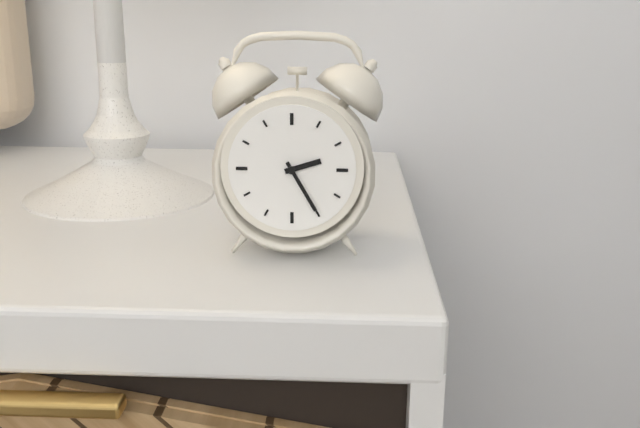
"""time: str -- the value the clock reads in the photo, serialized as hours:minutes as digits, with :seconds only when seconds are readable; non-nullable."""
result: 2:25
